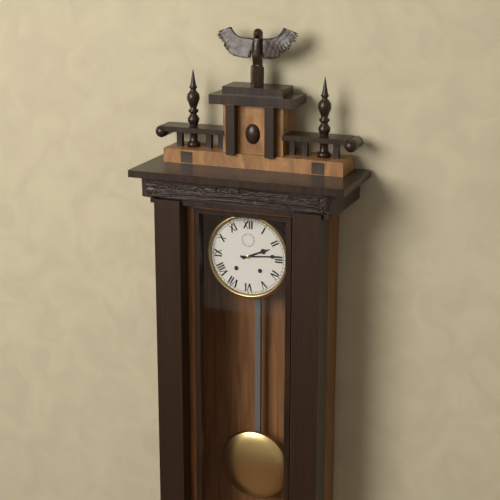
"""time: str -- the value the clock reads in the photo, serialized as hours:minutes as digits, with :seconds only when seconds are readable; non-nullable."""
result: 2:14
